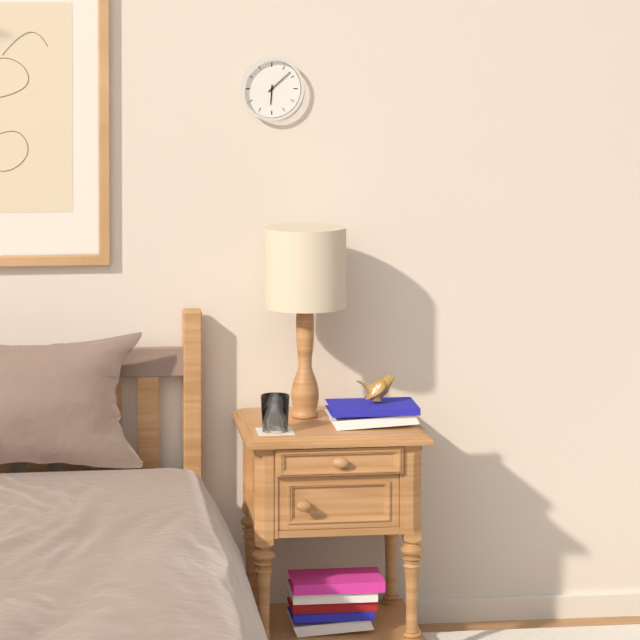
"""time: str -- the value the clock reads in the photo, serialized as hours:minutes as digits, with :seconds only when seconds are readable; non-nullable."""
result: 6:08
